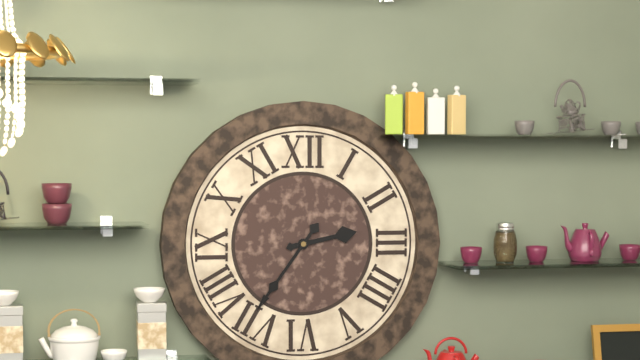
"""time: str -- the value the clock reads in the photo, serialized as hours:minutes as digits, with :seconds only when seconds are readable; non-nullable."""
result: 2:36
